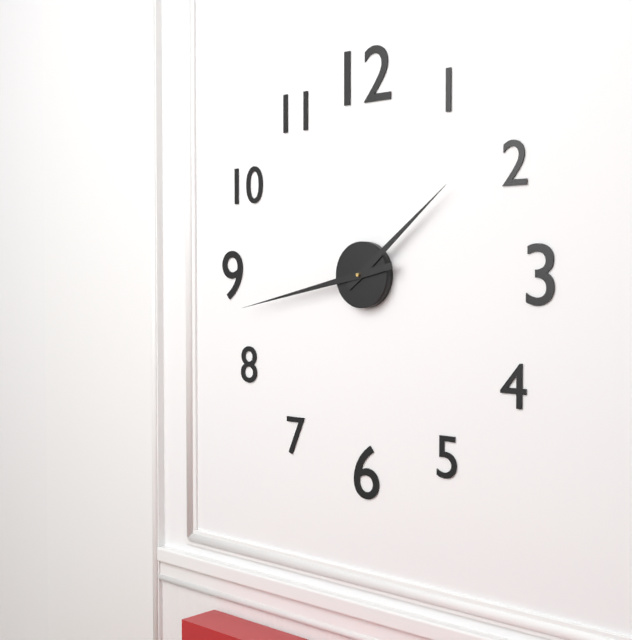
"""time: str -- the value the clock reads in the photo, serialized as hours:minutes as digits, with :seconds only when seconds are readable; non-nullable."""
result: 1:43
